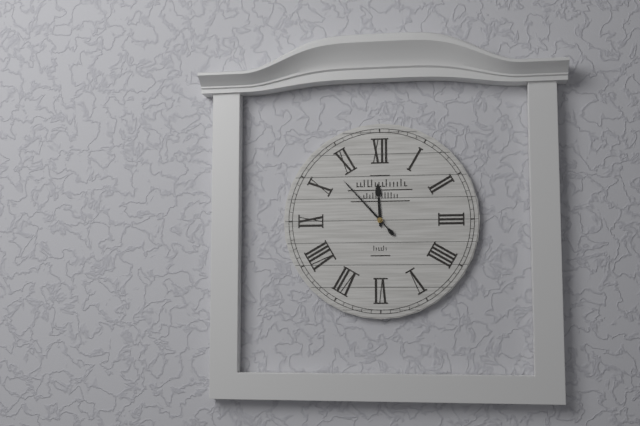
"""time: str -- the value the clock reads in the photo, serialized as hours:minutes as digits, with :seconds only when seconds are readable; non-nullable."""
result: 11:53
